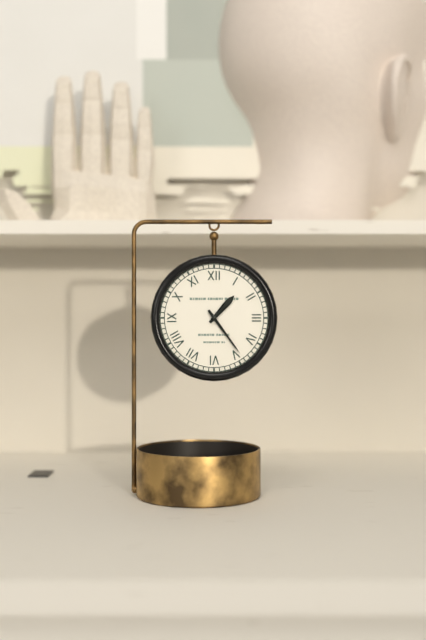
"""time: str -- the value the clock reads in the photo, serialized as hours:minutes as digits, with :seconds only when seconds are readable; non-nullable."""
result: 1:24
